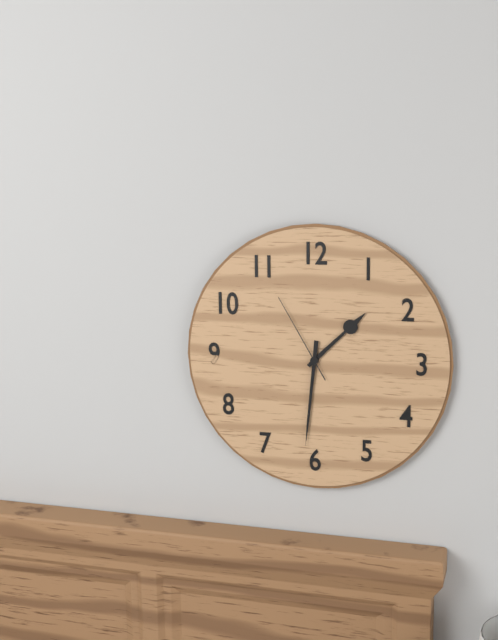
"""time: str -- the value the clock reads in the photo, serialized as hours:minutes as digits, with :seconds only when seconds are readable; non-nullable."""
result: 1:31:55
